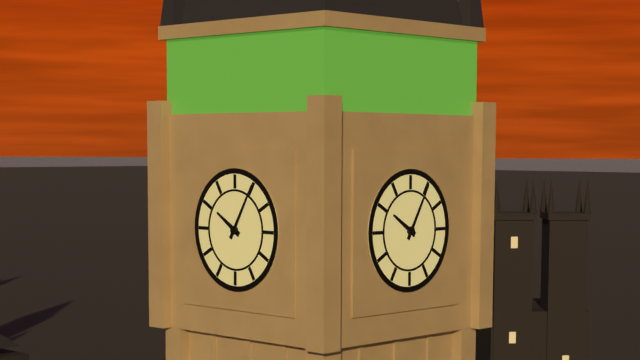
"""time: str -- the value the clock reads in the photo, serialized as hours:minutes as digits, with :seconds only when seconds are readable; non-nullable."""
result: 10:05
